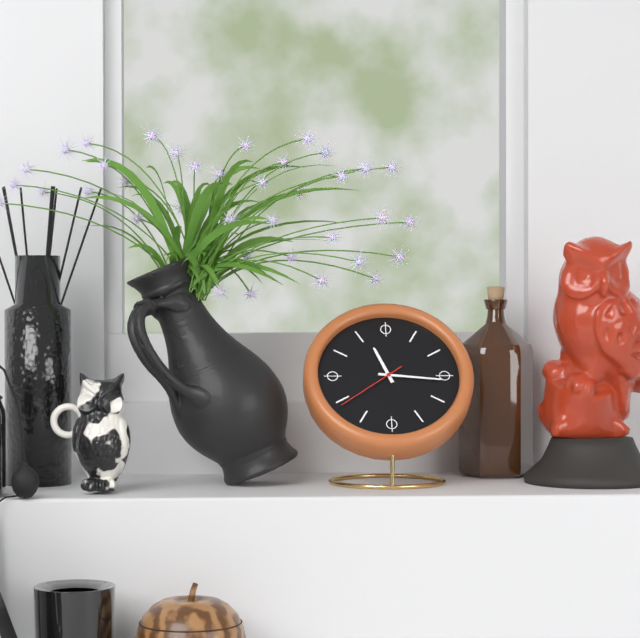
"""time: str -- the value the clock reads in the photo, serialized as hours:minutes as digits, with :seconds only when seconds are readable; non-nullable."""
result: 11:16:39
